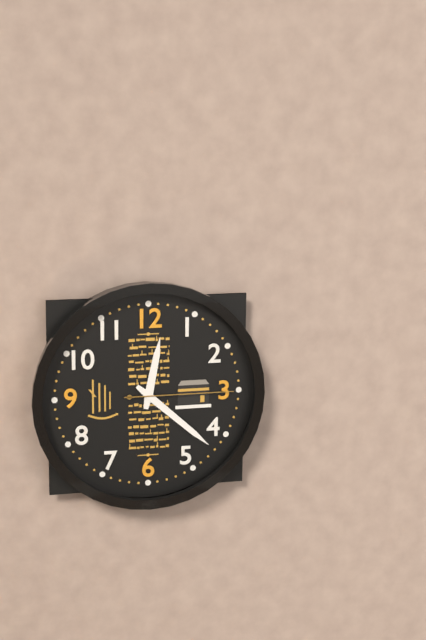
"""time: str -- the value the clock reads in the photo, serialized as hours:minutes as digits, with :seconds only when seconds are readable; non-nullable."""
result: 12:22:15
